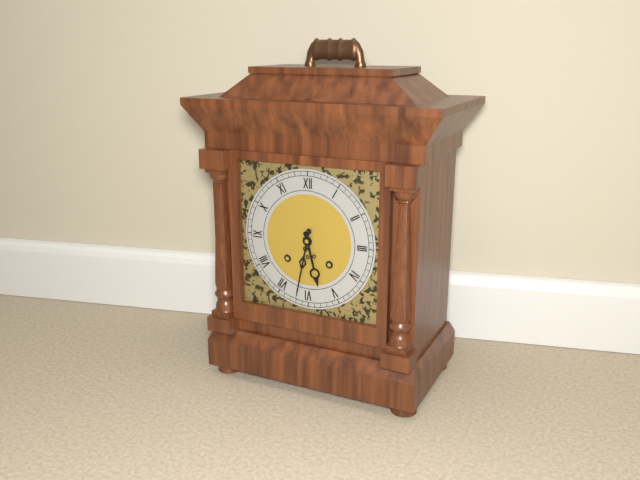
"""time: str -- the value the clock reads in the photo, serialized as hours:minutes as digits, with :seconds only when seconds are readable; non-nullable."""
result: 5:32
